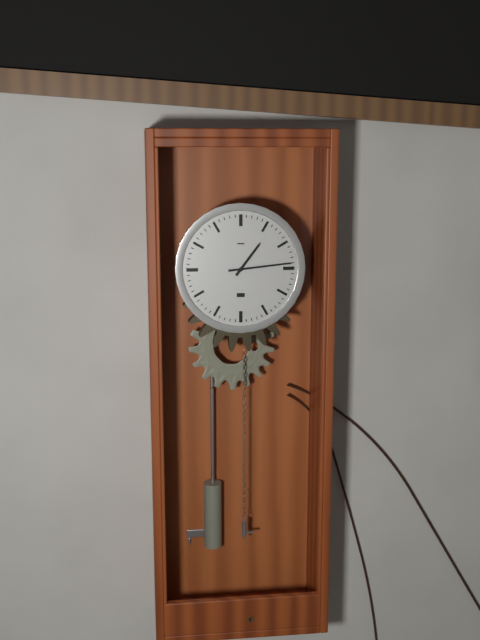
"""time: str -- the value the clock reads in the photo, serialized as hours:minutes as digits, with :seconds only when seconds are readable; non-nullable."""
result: 1:14
